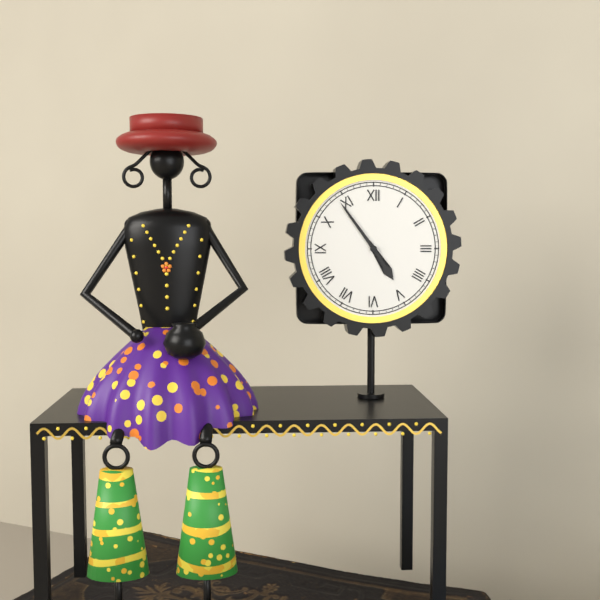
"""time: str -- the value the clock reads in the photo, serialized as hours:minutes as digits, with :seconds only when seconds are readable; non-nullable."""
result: 4:54
